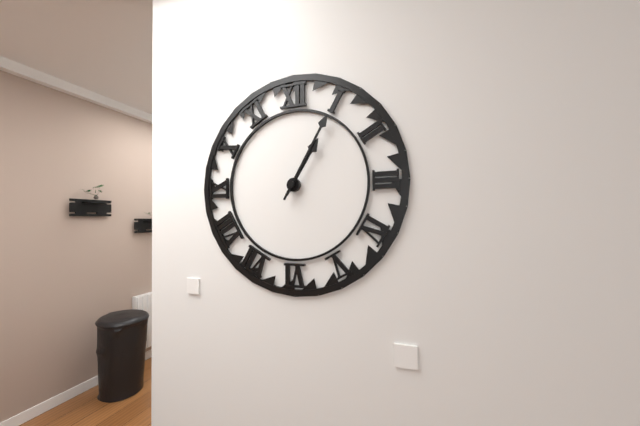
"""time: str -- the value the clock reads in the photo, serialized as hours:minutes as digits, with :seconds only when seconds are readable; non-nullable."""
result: 1:05
